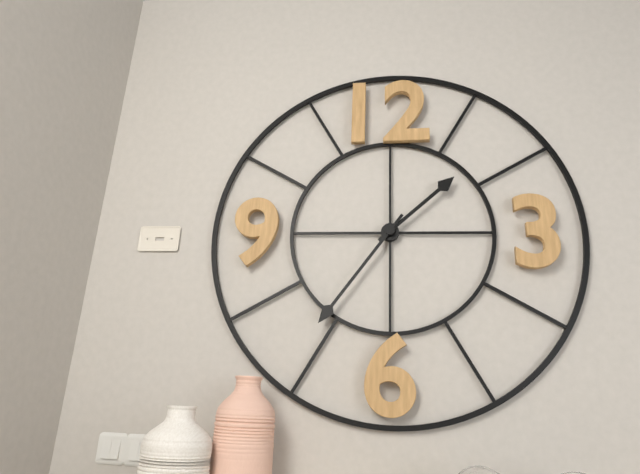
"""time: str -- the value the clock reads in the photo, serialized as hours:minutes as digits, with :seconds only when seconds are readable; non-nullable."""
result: 1:36
